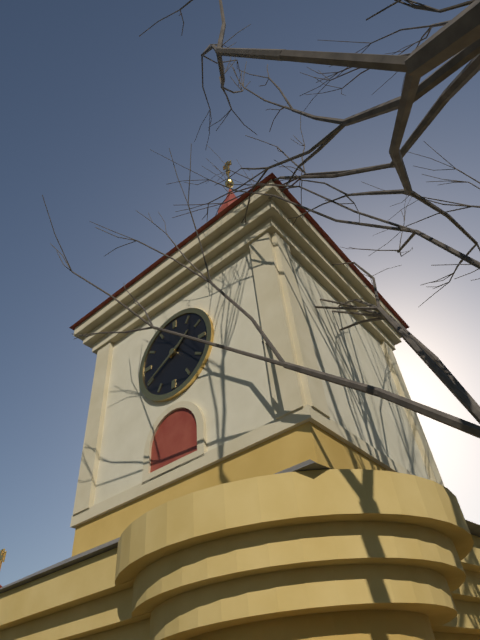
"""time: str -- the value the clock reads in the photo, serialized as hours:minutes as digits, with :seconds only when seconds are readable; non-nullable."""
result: 1:40
